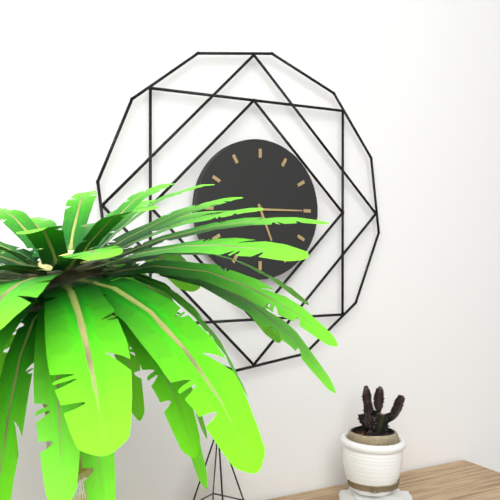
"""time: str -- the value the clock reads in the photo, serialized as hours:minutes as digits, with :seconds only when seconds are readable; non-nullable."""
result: 5:15
